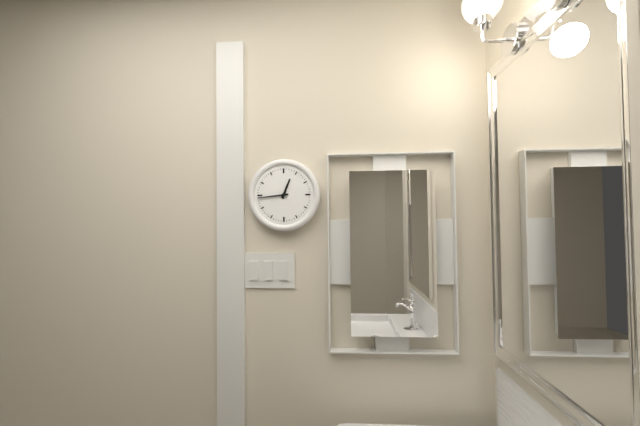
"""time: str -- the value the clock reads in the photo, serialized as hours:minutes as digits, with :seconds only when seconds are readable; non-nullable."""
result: 12:44
